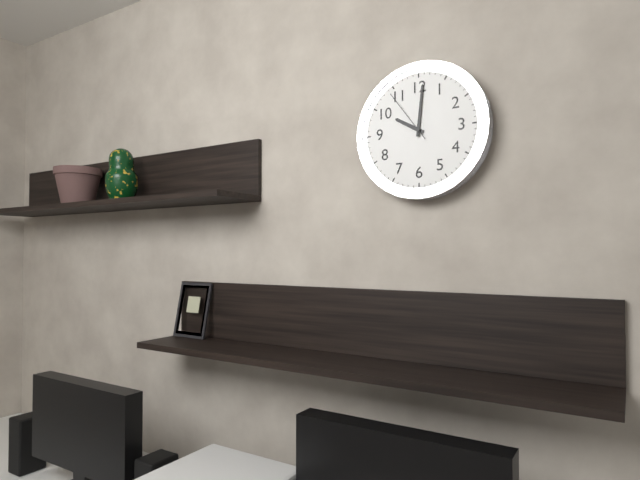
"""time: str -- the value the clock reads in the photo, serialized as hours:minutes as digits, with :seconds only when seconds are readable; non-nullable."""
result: 10:01:54
